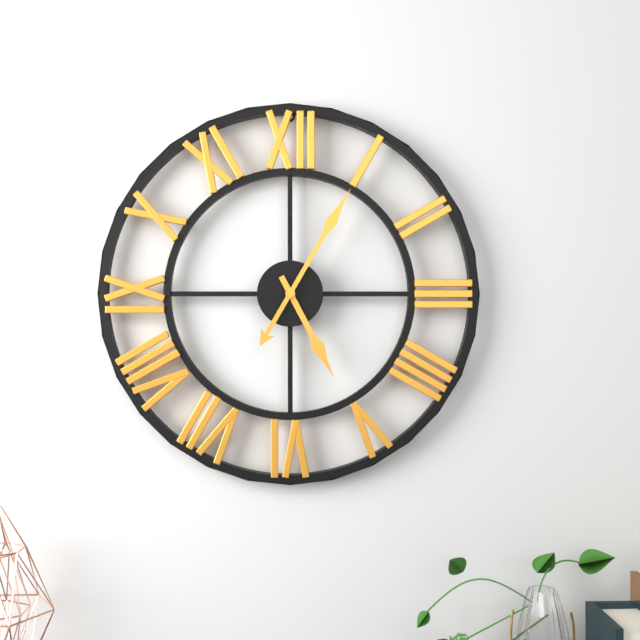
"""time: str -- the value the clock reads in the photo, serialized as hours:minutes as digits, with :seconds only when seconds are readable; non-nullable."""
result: 5:05
